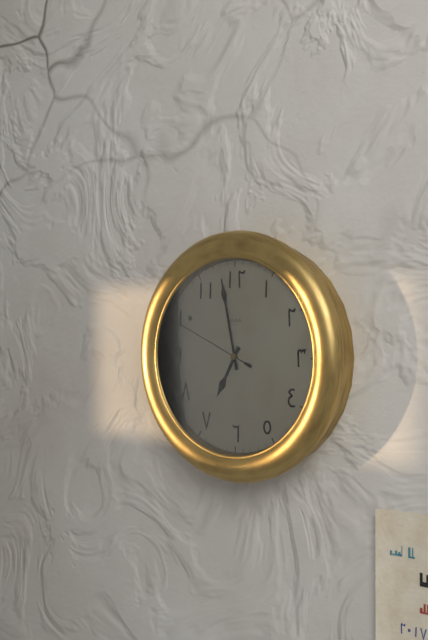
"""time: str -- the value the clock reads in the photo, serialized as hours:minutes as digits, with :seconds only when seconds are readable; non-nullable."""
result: 6:58:49
